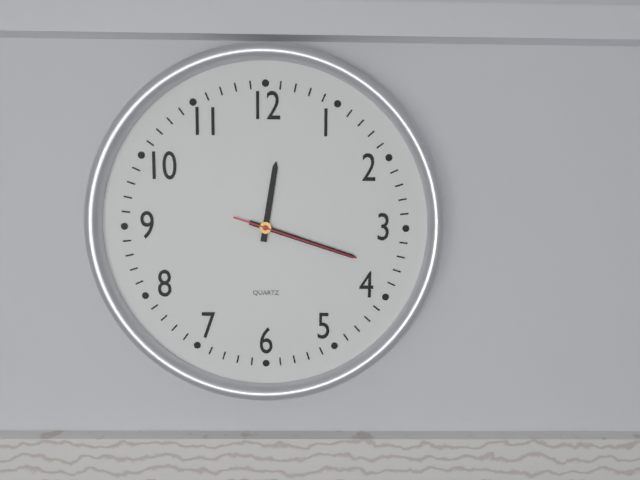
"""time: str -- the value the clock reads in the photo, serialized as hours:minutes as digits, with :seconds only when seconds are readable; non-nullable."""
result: 12:18:18
